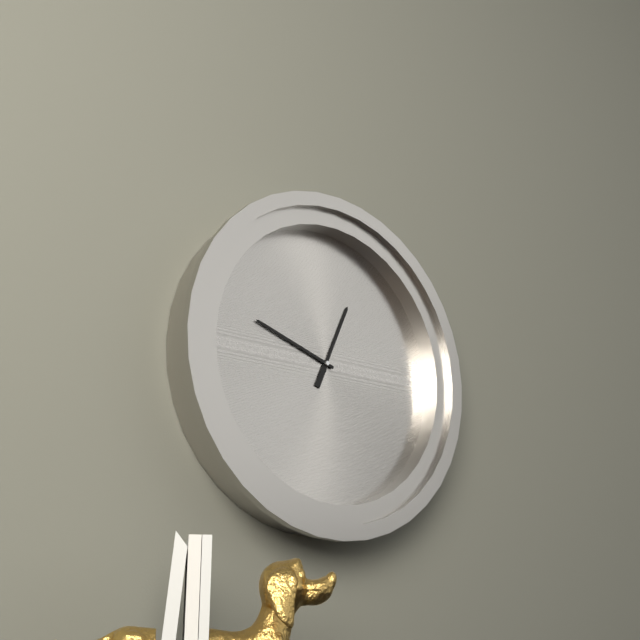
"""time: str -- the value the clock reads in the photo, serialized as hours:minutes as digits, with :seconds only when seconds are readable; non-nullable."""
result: 12:48
